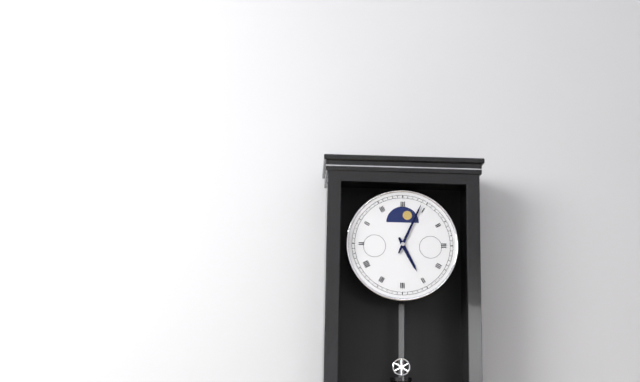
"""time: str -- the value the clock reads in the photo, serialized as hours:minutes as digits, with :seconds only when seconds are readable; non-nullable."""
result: 5:04
